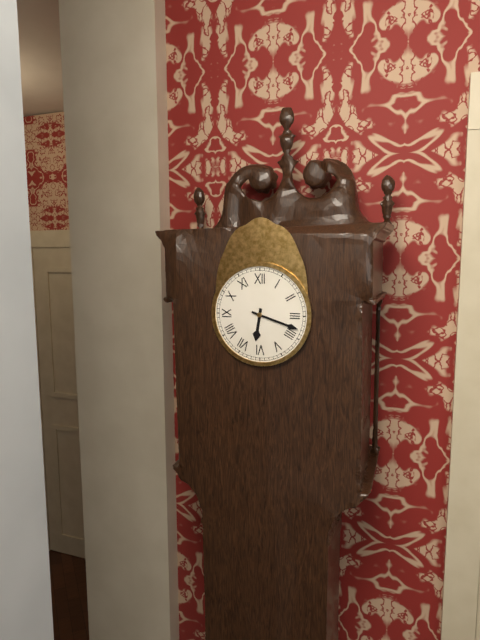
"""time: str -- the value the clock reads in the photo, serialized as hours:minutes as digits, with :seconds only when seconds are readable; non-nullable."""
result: 6:18
